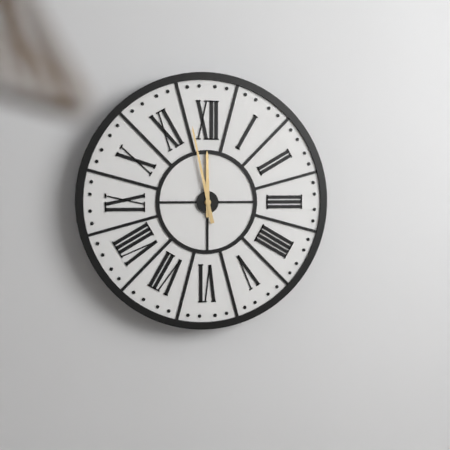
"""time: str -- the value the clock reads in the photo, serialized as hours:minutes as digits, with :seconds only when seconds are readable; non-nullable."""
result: 11:58
